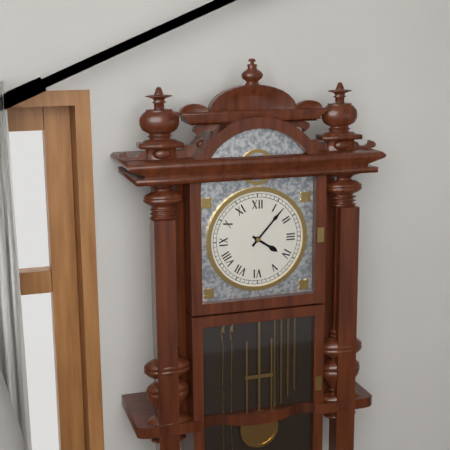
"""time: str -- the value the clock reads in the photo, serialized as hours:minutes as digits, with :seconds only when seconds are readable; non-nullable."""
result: 4:07
